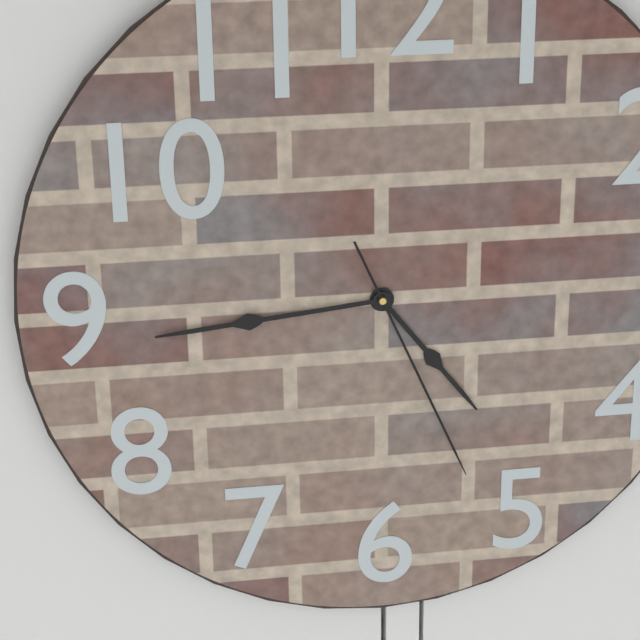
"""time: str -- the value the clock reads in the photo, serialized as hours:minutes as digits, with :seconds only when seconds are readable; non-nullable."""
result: 4:44:26
